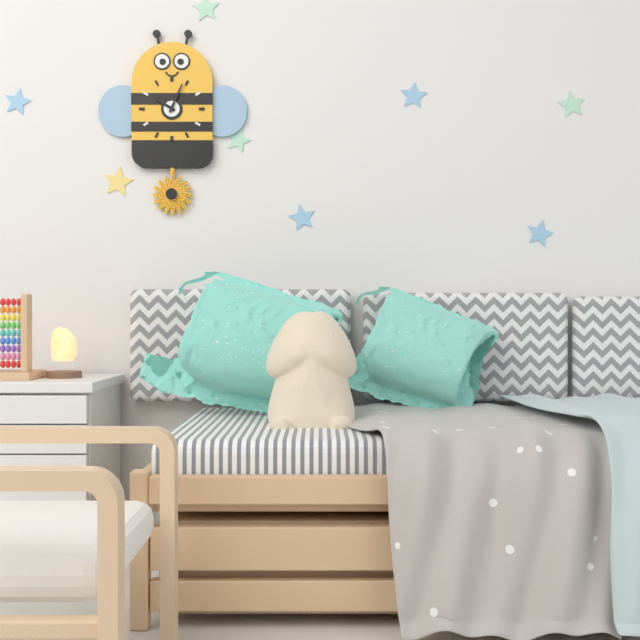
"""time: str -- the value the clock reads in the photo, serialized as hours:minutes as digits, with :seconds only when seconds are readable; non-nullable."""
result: 10:04
